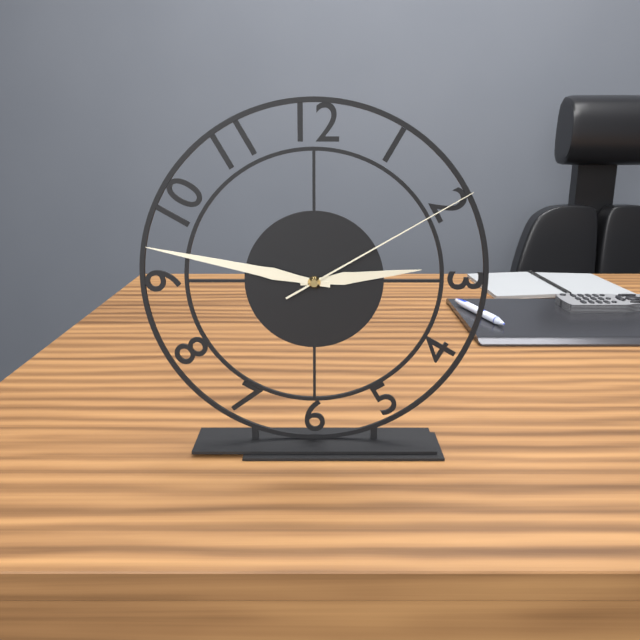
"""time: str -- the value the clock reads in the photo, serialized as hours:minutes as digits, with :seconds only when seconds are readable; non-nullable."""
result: 2:47:10
